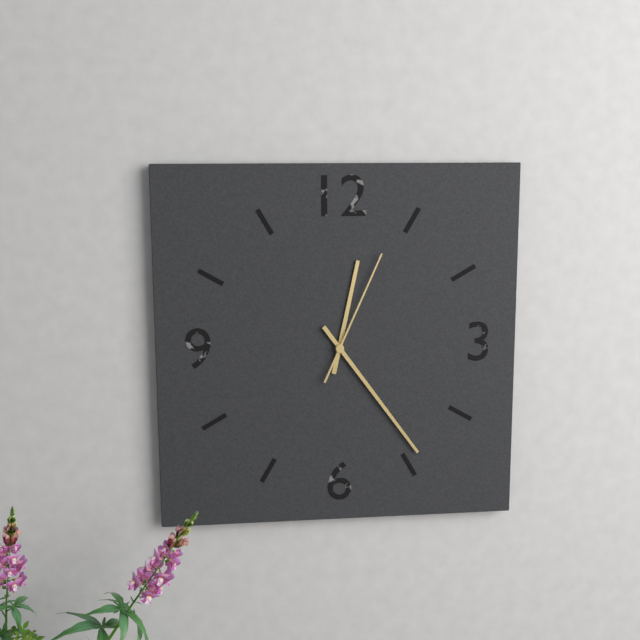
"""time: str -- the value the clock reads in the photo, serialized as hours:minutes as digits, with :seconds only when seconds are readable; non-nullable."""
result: 12:24:04
